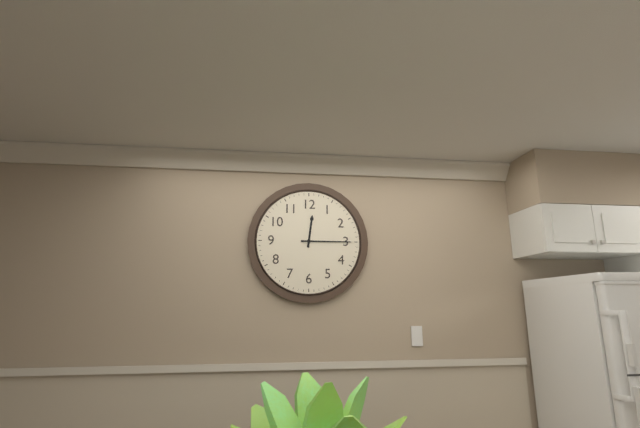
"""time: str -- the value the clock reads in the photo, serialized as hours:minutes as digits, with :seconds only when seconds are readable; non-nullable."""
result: 12:15
